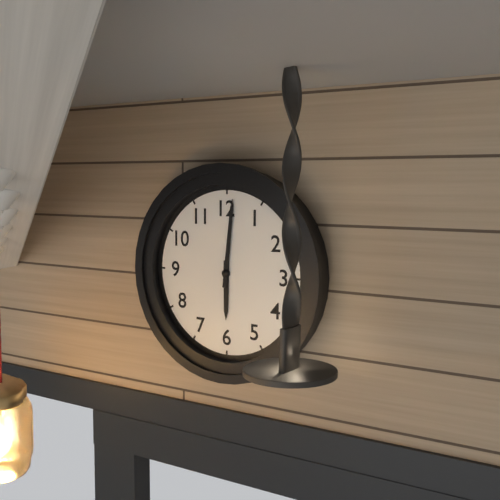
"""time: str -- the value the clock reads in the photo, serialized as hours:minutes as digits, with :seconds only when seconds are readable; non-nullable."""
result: 6:01
